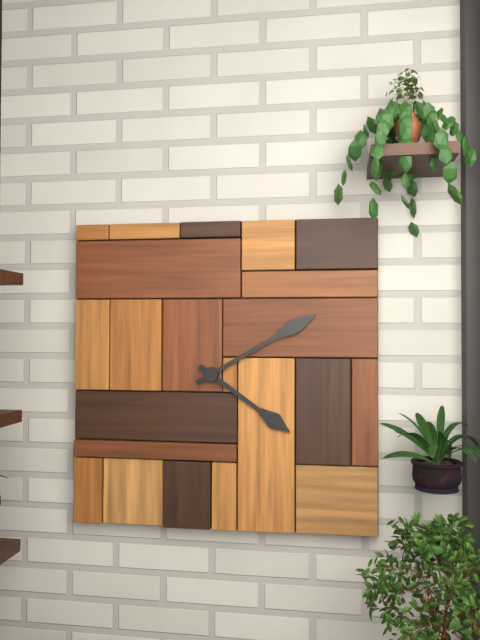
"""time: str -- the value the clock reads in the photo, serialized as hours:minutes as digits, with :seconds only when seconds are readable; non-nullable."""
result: 4:10
